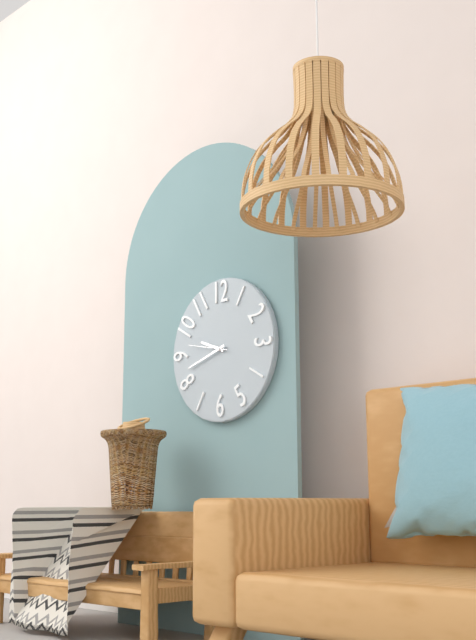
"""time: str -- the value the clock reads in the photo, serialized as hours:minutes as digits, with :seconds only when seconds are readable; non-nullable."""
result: 9:42
